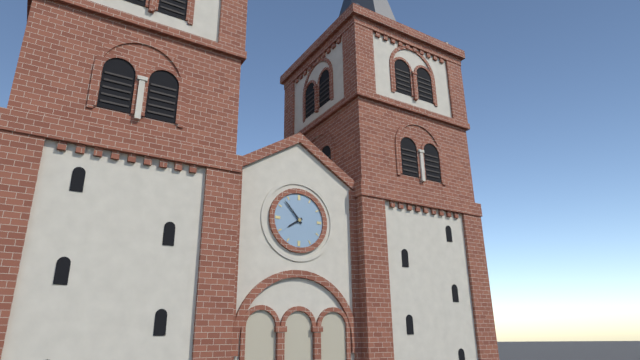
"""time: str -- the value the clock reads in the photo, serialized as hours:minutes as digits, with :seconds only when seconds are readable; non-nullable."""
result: 7:53
